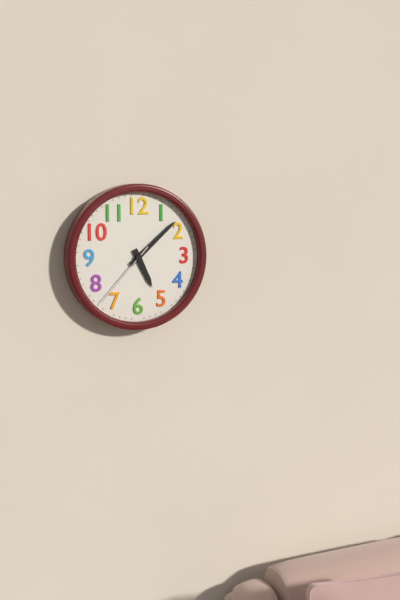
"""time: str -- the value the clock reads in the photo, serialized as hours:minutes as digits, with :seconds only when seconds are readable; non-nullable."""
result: 5:08:37
